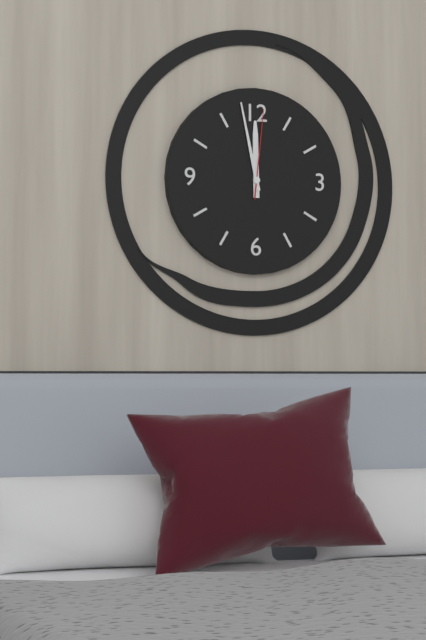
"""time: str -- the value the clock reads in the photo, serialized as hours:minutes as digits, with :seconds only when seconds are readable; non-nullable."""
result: 11:58:01
